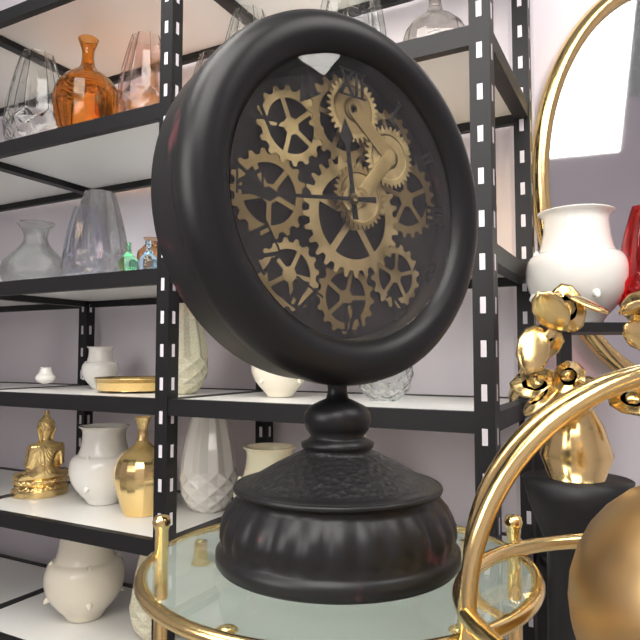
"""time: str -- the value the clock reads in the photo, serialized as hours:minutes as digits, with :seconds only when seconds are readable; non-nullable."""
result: 11:44
